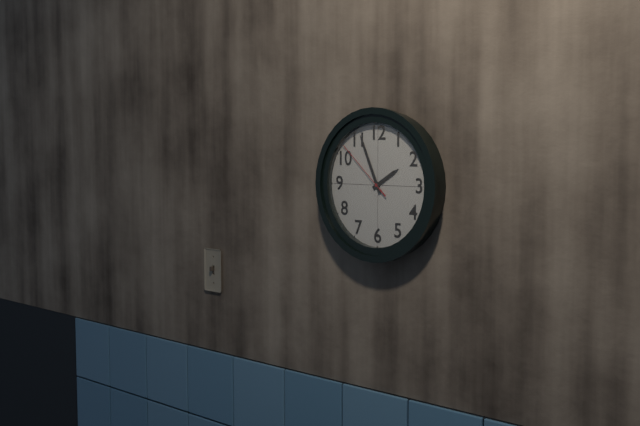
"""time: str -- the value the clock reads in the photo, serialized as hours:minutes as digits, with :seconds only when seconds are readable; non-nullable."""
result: 1:56:52
